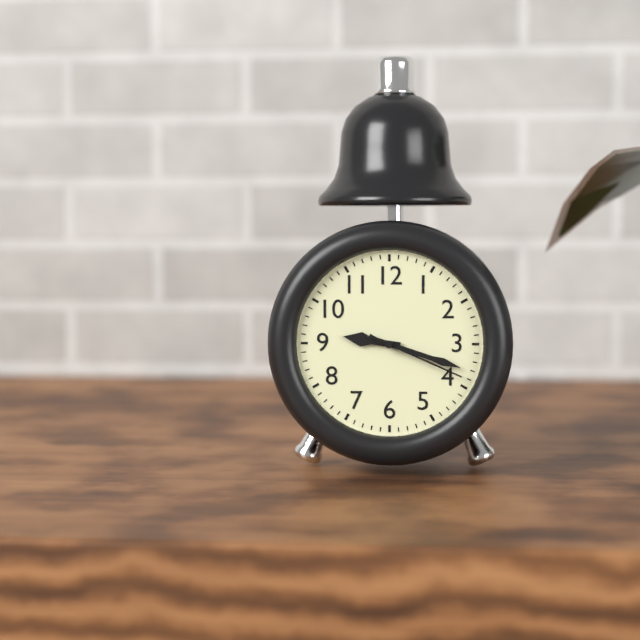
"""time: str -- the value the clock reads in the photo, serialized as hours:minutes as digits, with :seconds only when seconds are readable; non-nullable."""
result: 9:18:19
